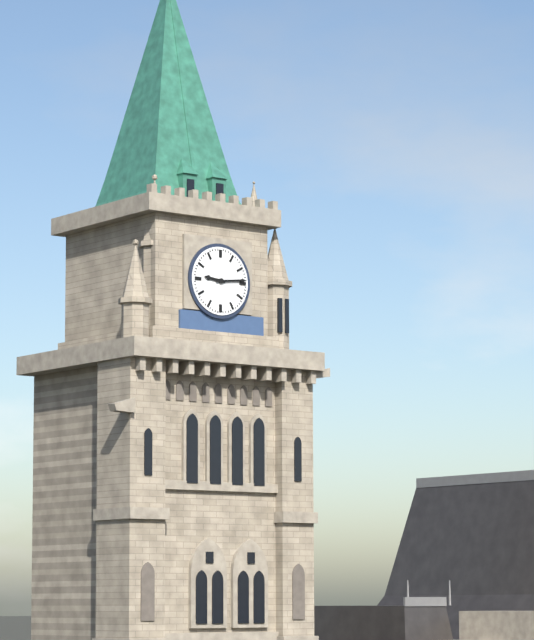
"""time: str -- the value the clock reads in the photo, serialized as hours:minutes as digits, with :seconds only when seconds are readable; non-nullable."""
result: 9:14
